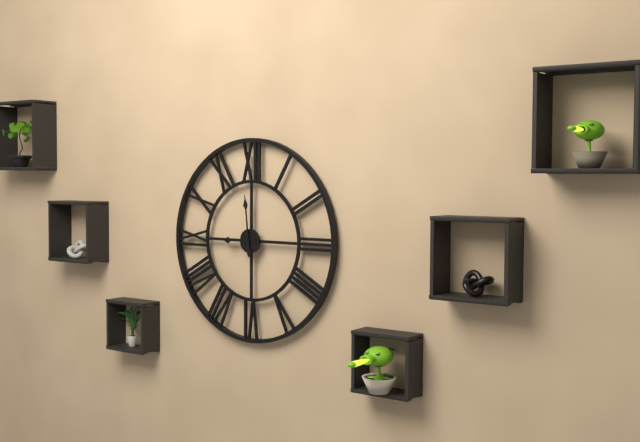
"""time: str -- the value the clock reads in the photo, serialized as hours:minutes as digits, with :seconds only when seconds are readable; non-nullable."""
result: 8:59
